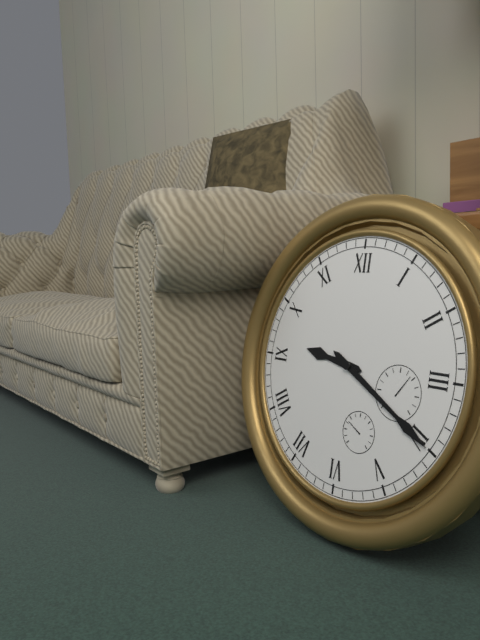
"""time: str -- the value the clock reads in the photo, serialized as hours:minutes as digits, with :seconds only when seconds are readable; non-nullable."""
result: 9:20
